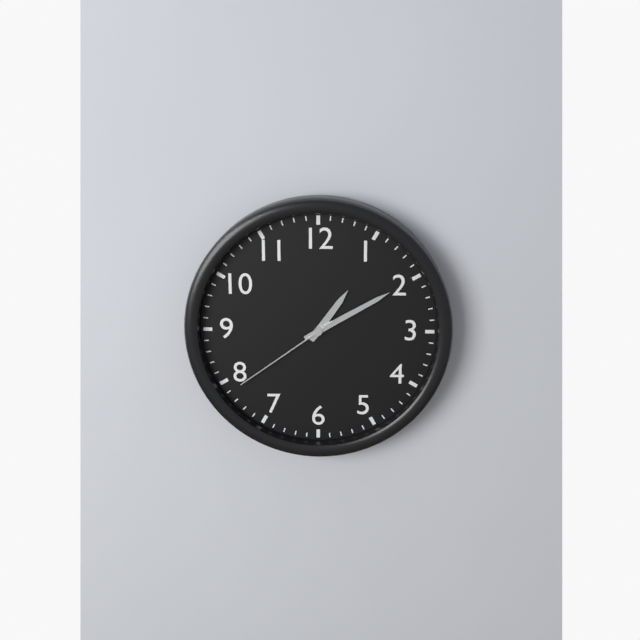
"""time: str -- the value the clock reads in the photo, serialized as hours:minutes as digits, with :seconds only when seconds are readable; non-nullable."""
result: 1:10:39
